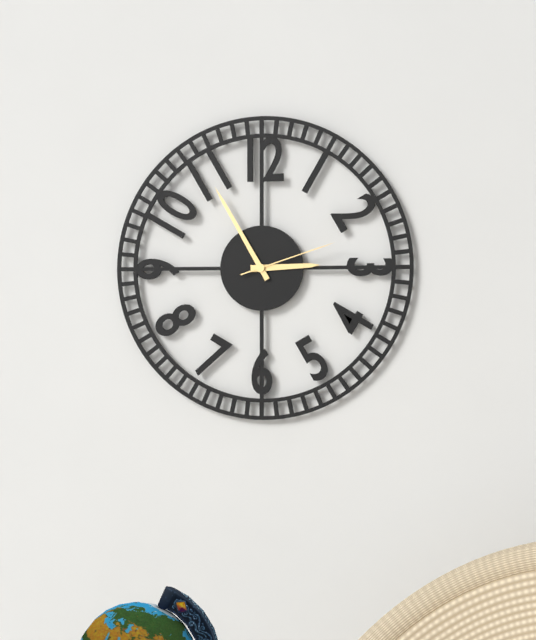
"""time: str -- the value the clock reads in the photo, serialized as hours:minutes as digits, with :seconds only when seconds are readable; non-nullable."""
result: 2:55:12
